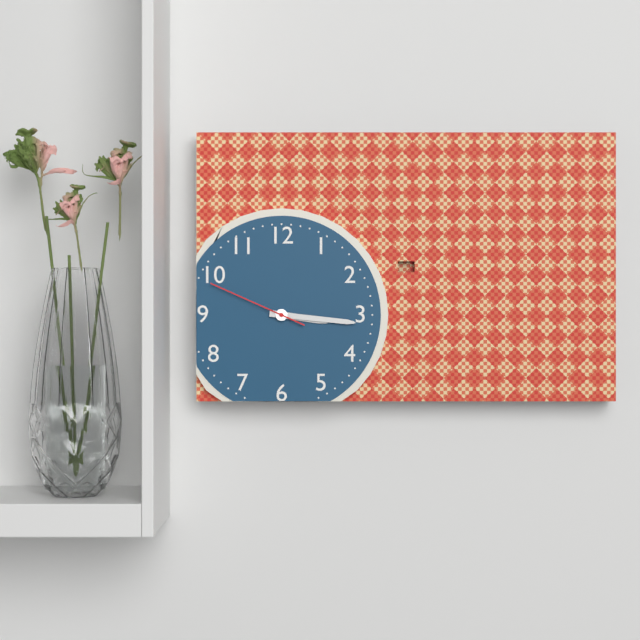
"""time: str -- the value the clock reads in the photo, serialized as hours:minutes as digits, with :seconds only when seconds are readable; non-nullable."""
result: 3:16:49
